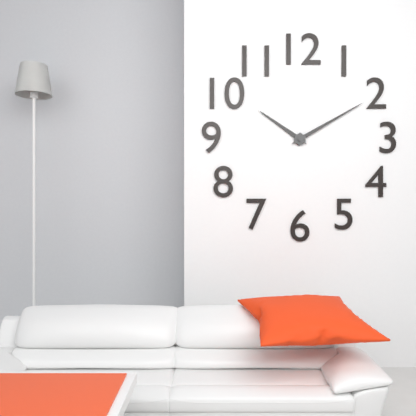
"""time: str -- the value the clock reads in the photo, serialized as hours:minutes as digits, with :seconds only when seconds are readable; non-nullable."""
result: 10:10
